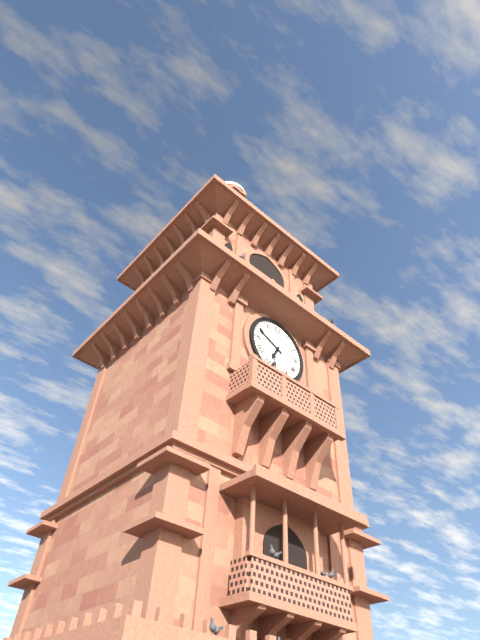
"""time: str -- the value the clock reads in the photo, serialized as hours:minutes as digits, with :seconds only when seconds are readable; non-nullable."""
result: 6:49
